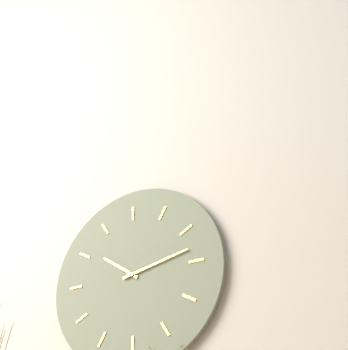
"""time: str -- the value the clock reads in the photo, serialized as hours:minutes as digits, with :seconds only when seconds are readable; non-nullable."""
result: 10:13
